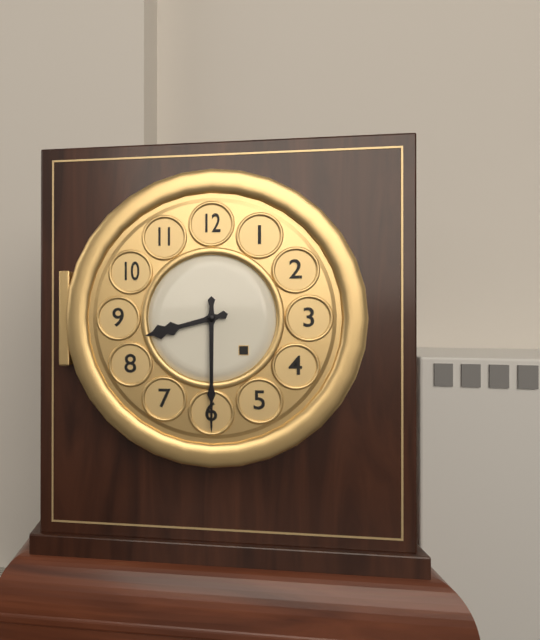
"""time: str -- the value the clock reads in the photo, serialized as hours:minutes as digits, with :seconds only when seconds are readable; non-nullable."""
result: 8:30
